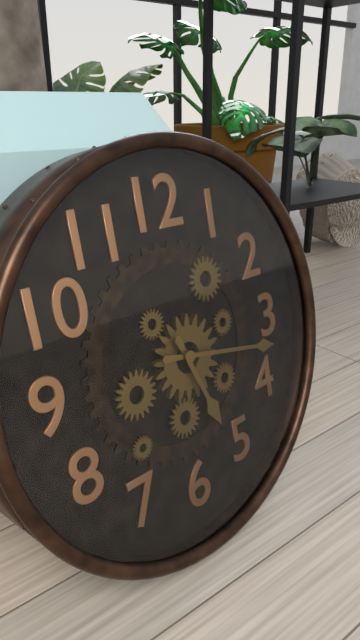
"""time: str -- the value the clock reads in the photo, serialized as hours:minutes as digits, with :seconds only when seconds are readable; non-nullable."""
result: 5:17
